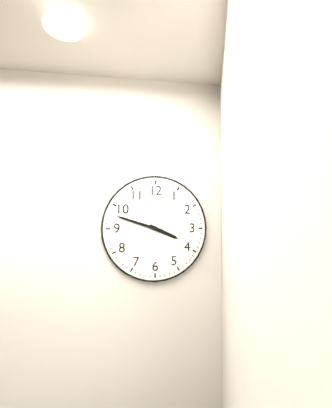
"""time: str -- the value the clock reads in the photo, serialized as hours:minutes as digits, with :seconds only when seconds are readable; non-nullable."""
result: 3:48
